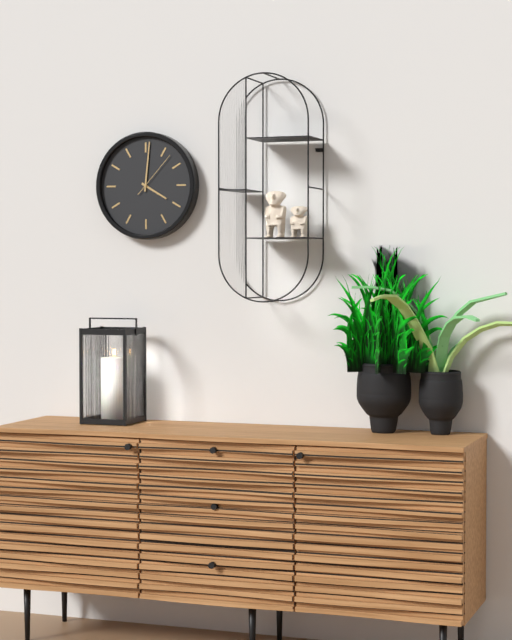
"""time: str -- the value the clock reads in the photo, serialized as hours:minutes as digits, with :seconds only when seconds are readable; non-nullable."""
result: 4:01
